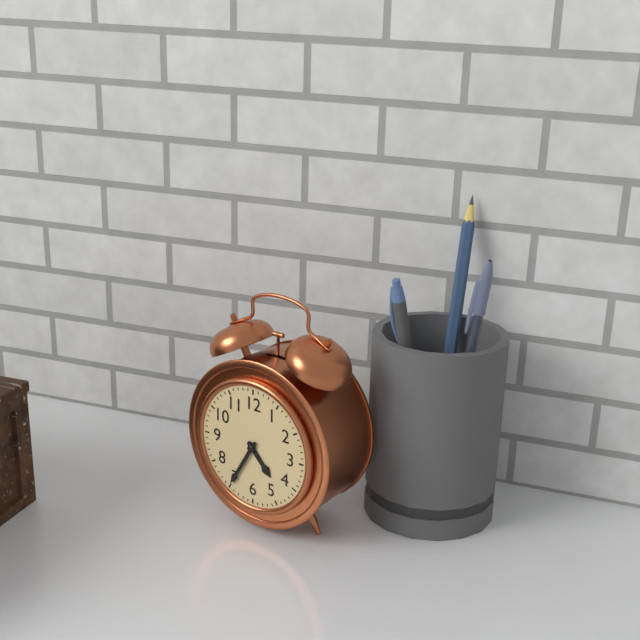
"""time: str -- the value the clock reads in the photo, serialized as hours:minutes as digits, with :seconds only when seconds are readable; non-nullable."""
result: 4:35
